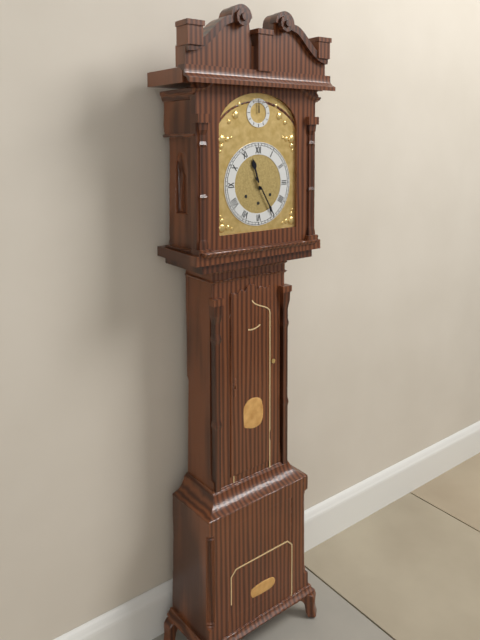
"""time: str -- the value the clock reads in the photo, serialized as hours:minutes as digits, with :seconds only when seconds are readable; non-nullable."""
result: 11:25
